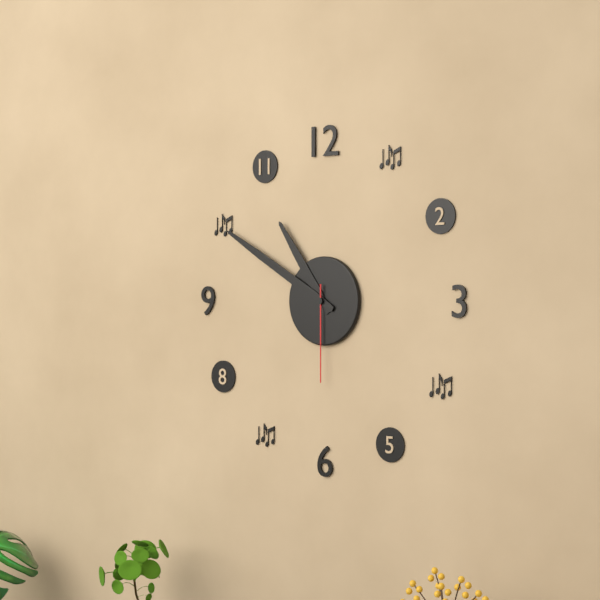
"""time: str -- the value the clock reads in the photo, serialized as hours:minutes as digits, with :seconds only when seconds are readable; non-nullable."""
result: 10:50:30
